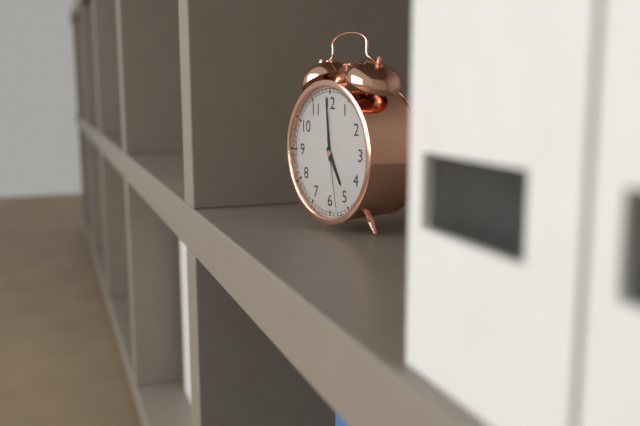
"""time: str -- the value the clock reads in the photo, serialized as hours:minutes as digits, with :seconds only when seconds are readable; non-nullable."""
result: 4:59:28
